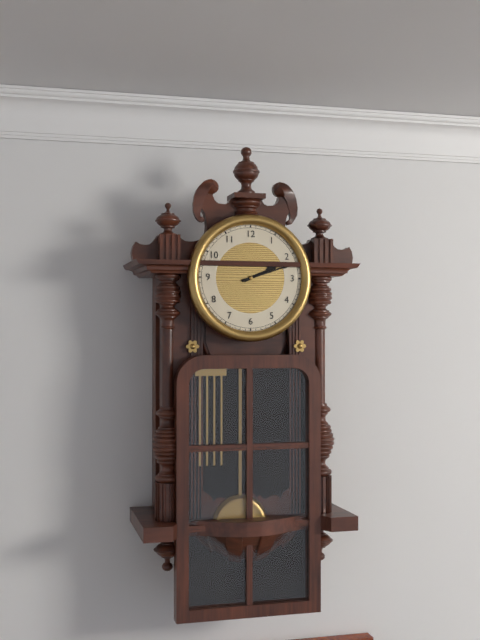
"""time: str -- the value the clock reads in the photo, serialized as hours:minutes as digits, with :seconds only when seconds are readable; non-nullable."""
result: 2:12
